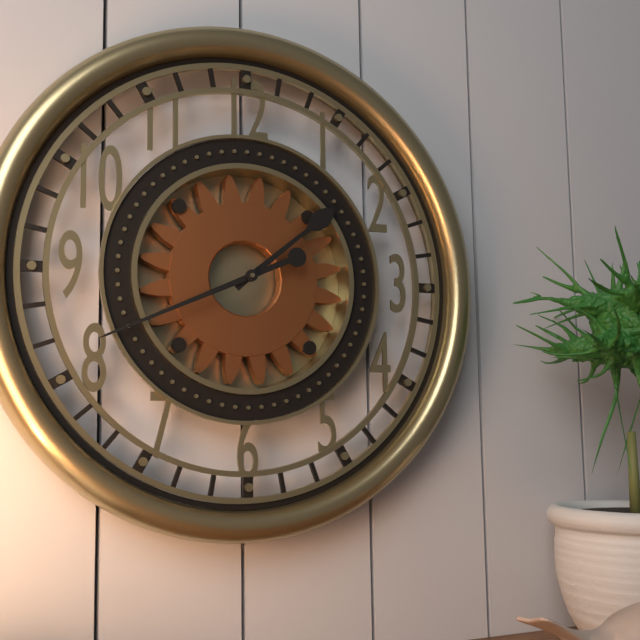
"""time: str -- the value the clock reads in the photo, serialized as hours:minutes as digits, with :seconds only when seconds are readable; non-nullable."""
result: 1:41
